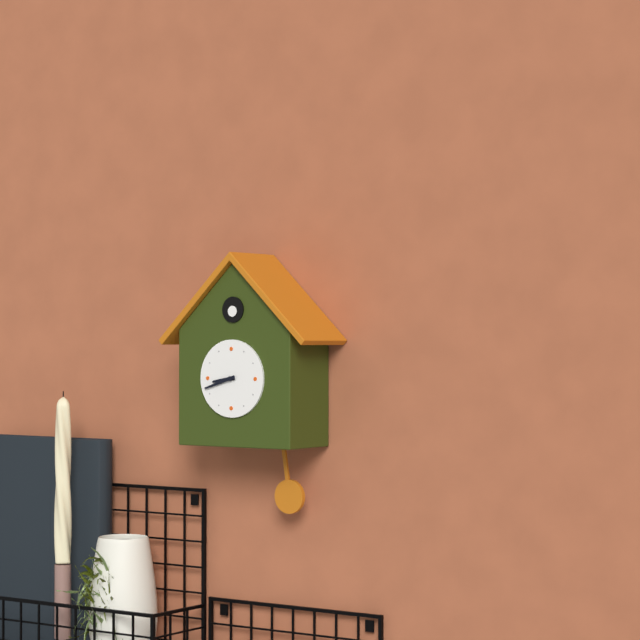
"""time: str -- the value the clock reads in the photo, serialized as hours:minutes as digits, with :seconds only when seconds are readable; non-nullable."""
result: 8:42
